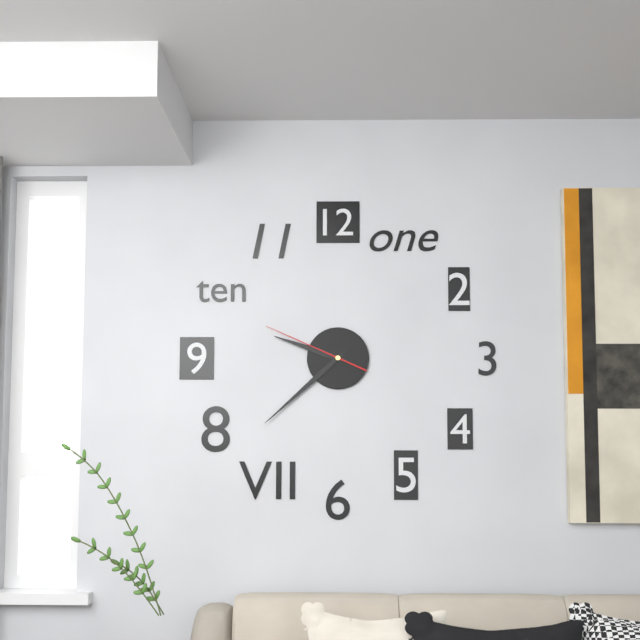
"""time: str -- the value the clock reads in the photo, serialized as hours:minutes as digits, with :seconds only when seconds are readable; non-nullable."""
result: 9:38:49
